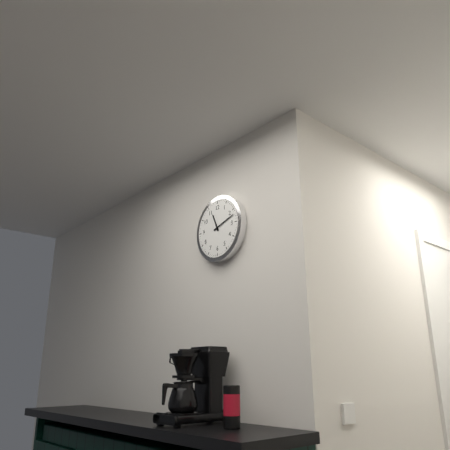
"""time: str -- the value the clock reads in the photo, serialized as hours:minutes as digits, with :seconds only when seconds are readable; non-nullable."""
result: 11:12
